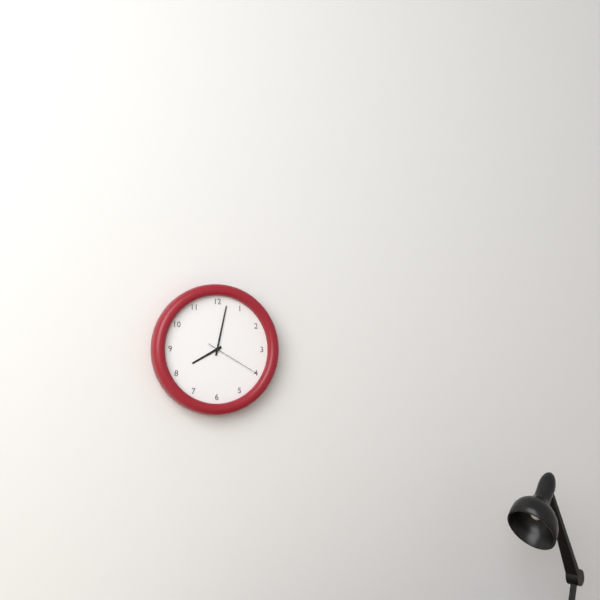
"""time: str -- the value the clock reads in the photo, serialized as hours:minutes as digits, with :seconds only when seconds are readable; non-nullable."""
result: 8:02:20
